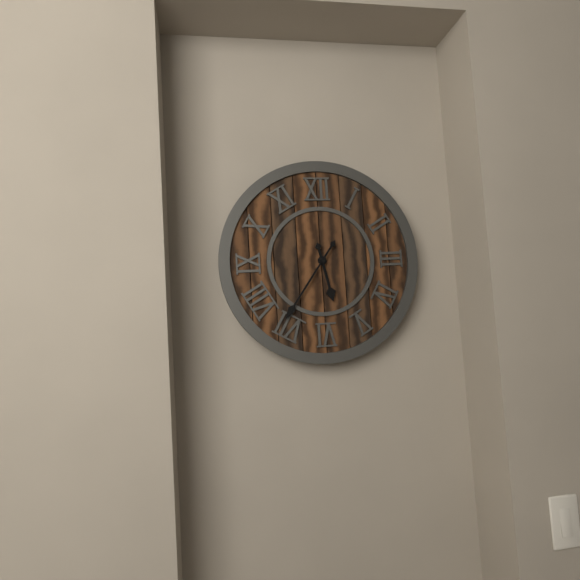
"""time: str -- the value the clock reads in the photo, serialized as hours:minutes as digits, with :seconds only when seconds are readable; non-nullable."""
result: 5:36
